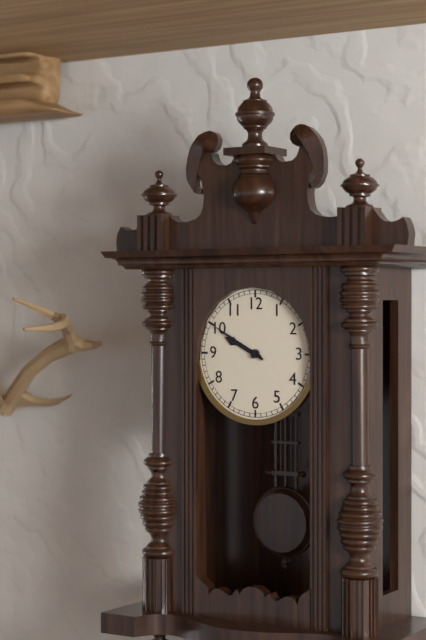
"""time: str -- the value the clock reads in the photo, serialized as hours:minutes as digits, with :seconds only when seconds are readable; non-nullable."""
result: 9:50
